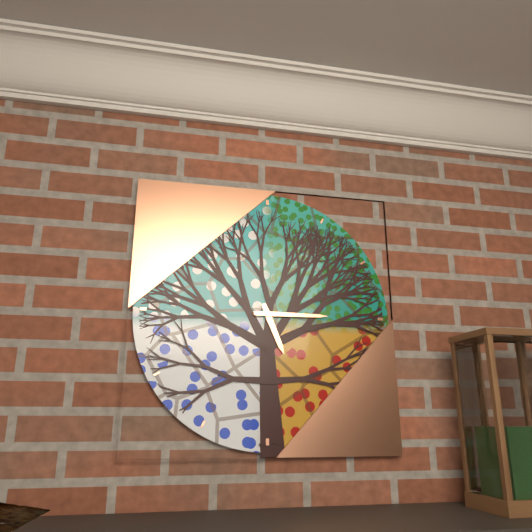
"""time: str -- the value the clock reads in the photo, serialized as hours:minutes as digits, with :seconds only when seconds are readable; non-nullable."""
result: 5:15
